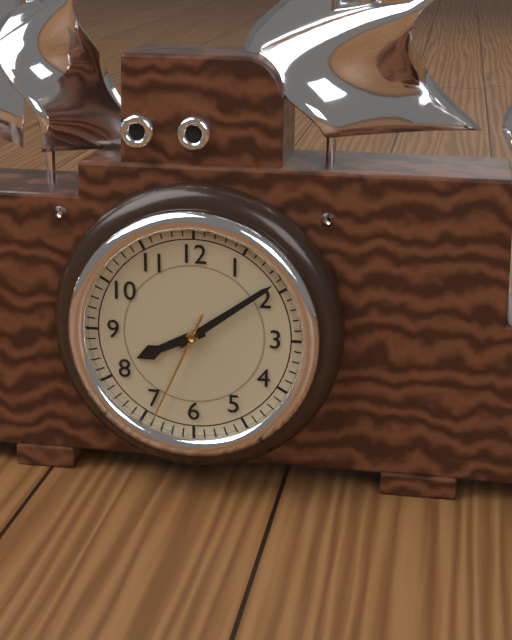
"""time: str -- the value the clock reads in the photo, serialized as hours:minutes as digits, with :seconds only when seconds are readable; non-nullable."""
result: 8:09:34
